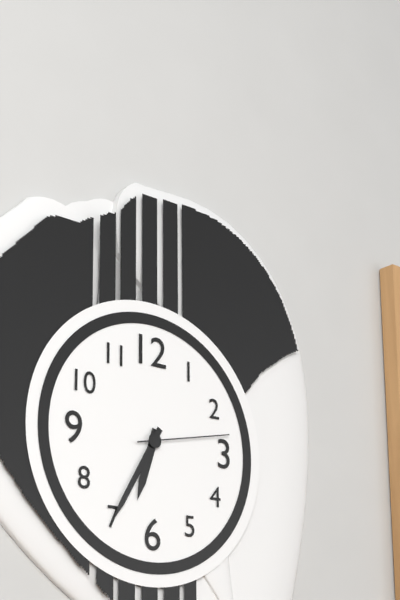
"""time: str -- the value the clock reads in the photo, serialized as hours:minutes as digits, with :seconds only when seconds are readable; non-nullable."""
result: 6:35:13
